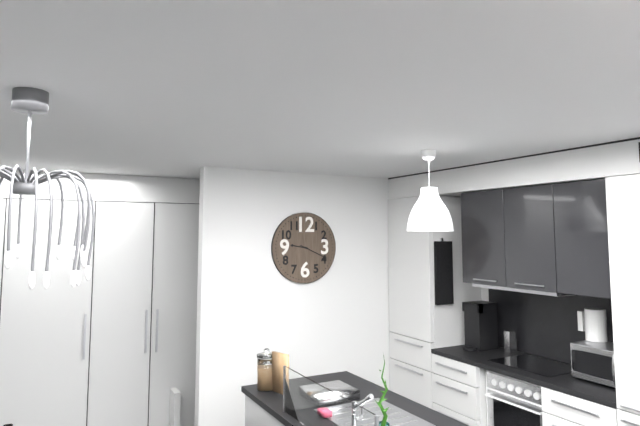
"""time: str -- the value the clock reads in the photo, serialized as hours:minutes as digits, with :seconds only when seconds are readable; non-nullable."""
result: 9:19
